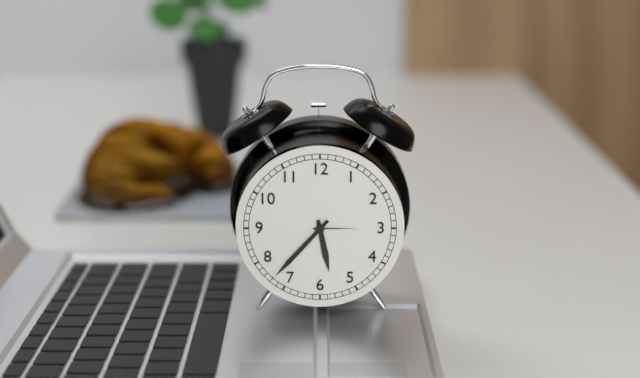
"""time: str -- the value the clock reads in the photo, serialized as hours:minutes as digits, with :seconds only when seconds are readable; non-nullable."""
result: 5:37
